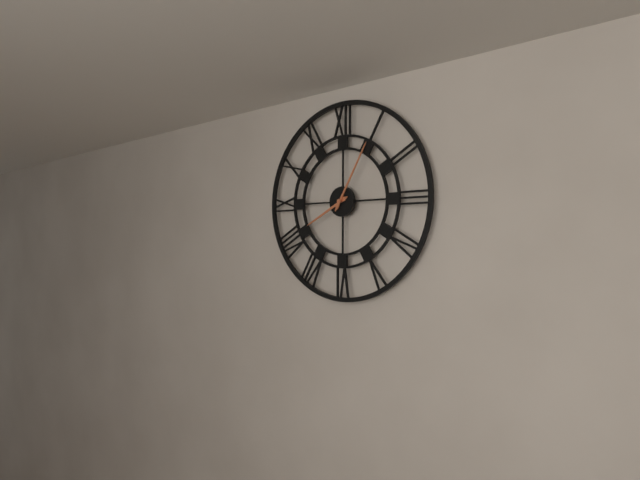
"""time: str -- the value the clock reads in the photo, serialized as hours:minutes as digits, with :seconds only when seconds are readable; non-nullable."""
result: 8:05
